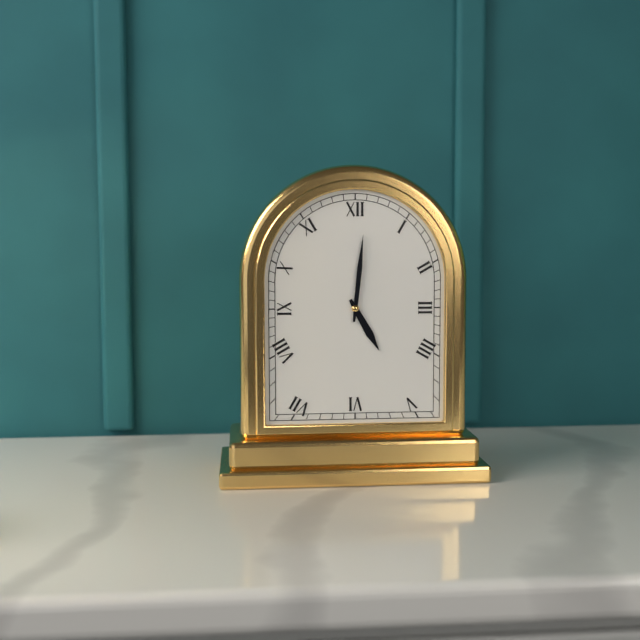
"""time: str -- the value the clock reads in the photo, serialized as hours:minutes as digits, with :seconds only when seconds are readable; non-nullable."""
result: 5:01
